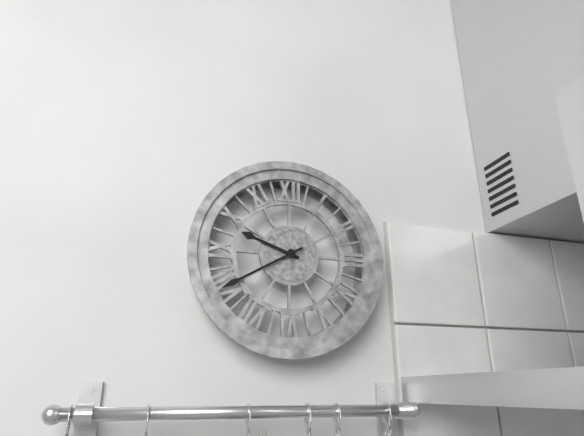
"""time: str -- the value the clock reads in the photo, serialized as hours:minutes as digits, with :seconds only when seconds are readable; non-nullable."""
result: 9:40
